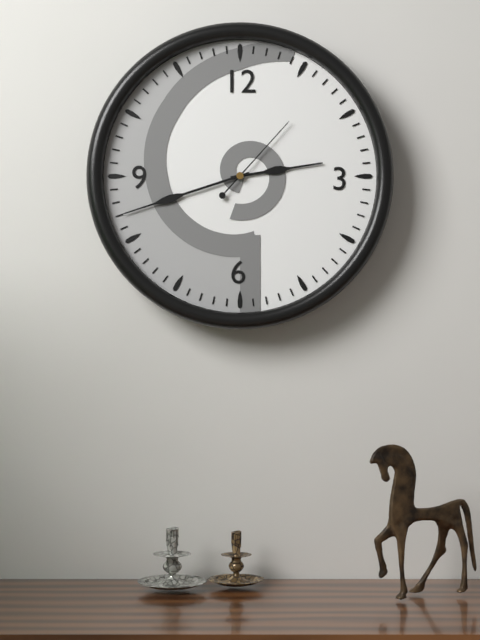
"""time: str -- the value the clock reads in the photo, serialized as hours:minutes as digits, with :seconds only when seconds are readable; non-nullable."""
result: 2:42:07
